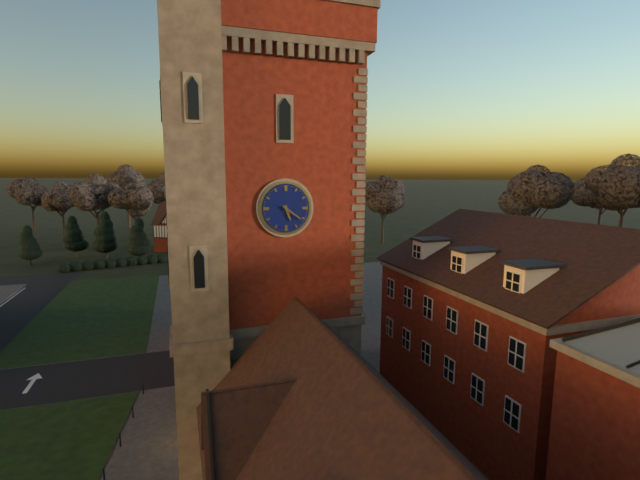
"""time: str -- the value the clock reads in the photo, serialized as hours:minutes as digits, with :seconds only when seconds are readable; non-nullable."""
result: 5:21
